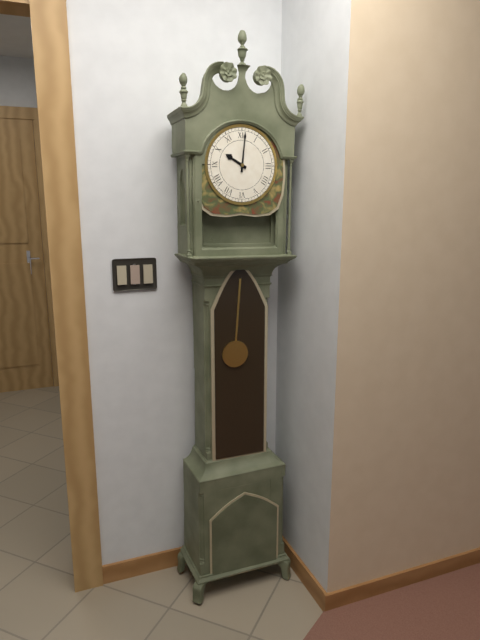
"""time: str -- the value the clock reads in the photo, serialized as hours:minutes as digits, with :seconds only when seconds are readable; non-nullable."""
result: 10:01
